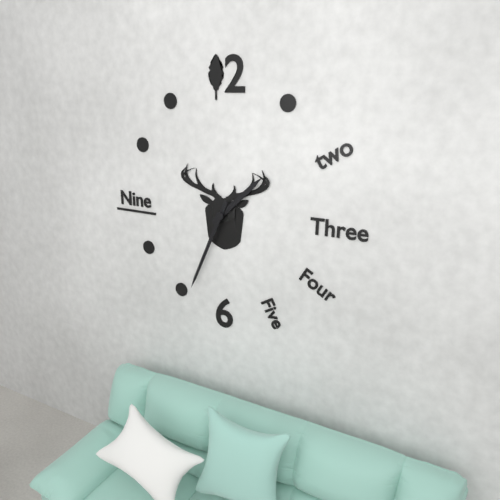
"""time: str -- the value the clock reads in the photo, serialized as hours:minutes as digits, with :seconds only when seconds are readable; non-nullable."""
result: 1:34
